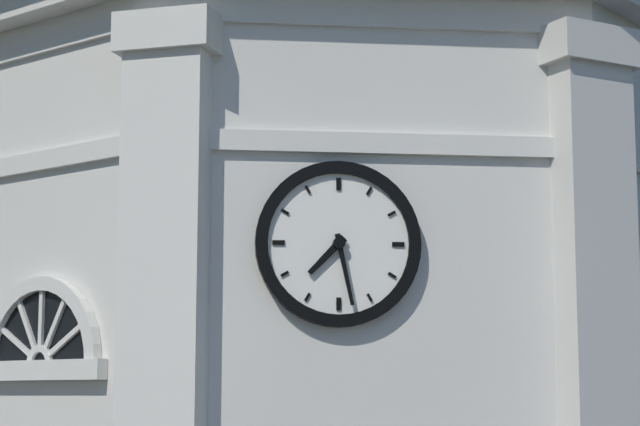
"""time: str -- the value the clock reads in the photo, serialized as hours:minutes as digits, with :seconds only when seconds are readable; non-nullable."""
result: 7:28
